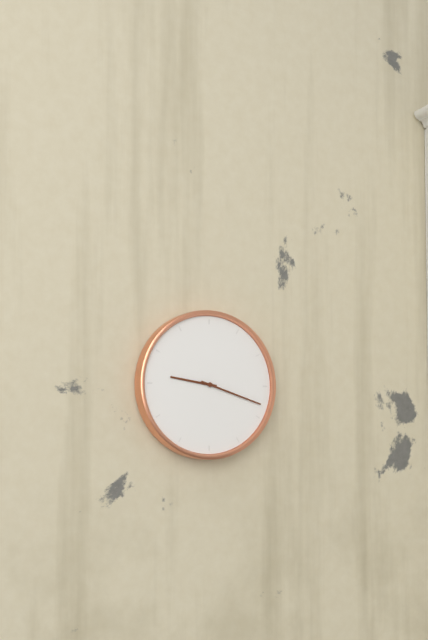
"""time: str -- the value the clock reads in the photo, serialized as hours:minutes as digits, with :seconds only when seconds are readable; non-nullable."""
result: 9:18
